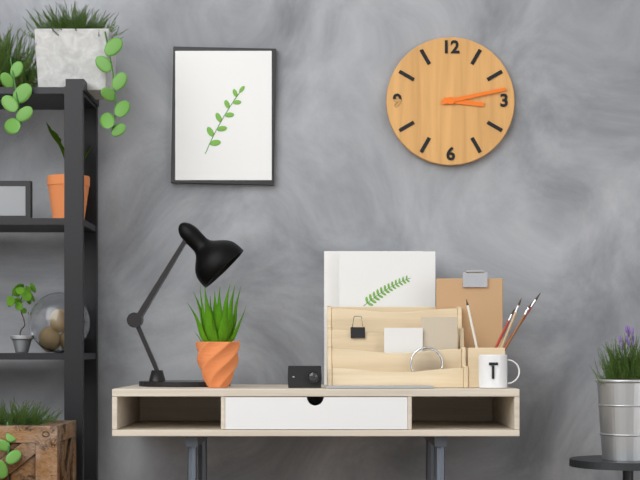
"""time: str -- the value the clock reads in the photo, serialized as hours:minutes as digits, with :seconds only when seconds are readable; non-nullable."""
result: 3:13
